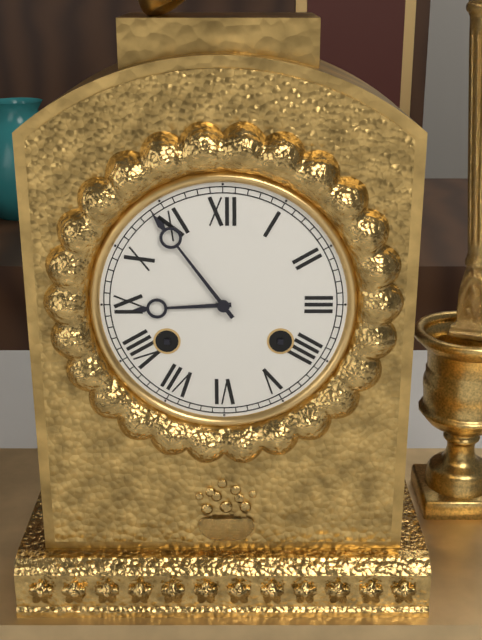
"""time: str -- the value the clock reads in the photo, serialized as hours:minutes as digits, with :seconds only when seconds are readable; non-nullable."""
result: 8:54
